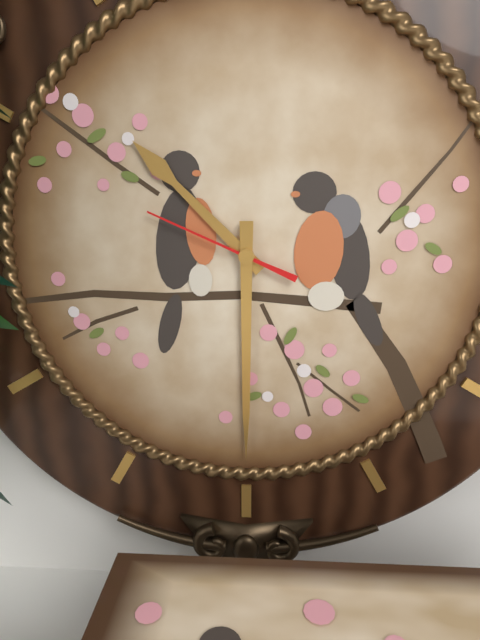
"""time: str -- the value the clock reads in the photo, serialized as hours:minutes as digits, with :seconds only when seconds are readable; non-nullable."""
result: 10:30:49
